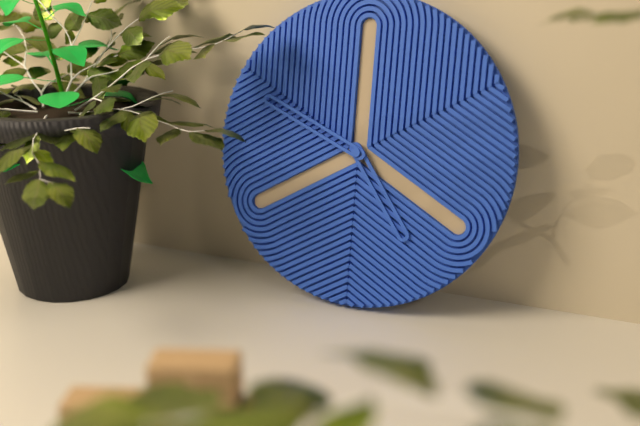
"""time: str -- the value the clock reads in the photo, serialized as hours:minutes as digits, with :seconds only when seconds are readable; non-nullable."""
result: 4:49
